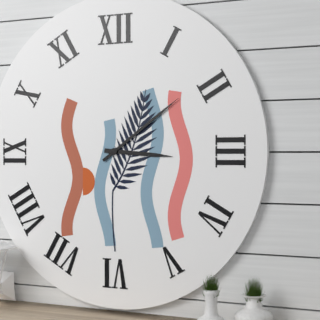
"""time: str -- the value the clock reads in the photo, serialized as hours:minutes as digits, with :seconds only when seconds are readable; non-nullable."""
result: 3:09
